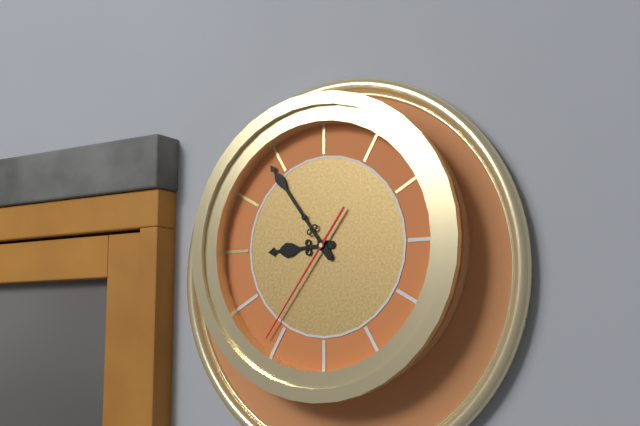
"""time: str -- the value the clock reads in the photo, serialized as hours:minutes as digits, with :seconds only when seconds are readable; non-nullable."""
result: 8:54:36
